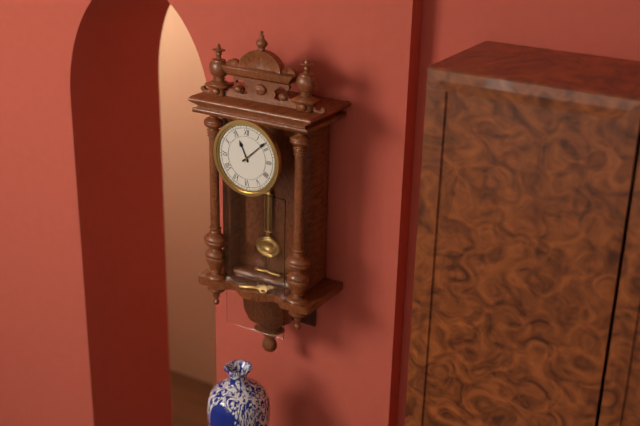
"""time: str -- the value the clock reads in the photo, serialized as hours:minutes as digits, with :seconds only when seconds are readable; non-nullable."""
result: 11:08
